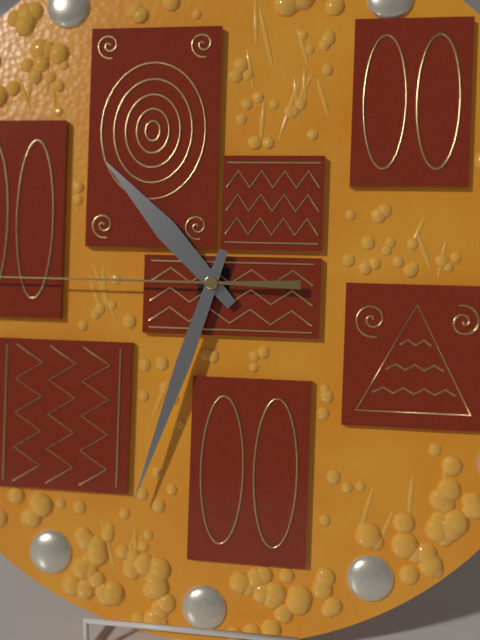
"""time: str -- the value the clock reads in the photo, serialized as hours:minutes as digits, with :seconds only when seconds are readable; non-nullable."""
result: 10:33
